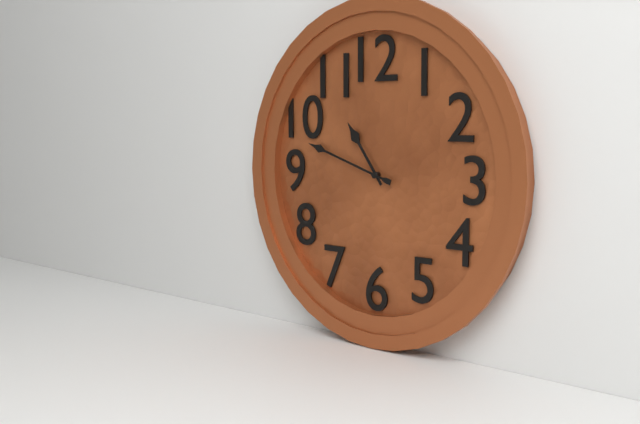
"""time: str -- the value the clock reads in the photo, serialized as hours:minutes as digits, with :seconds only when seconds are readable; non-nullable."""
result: 10:48
